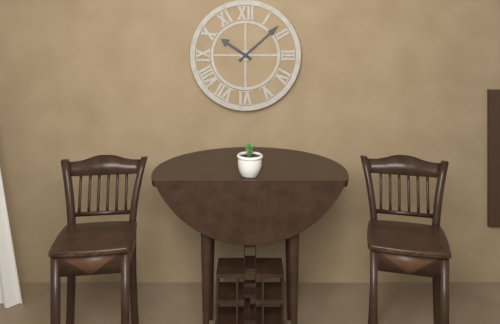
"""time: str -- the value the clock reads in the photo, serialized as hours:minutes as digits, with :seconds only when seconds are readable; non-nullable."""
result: 10:08
